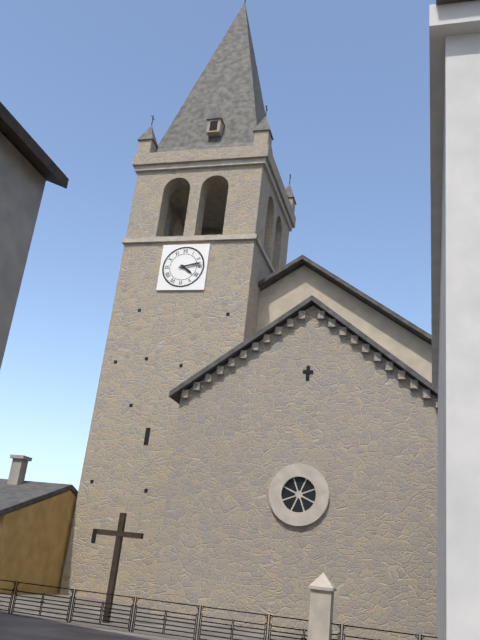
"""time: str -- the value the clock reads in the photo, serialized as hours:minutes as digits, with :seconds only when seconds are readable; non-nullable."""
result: 4:13
